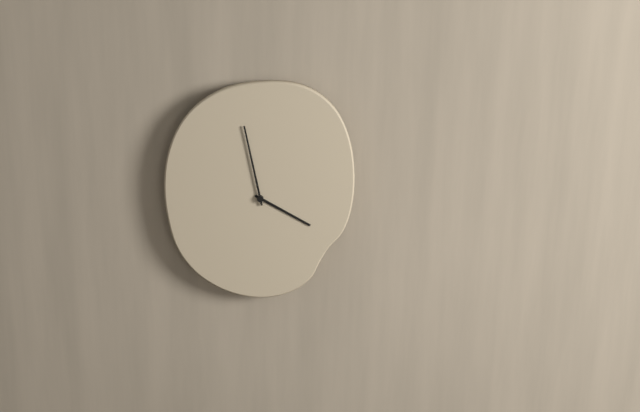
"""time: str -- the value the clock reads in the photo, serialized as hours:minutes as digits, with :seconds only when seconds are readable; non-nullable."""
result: 3:58
